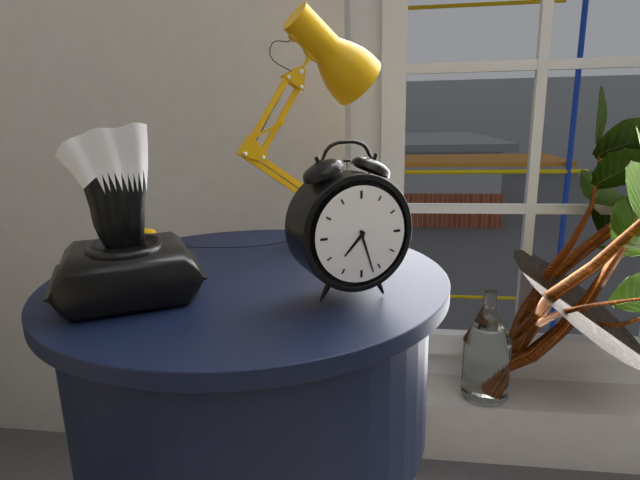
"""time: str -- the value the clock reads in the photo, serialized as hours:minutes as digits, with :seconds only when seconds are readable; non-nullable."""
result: 7:27
